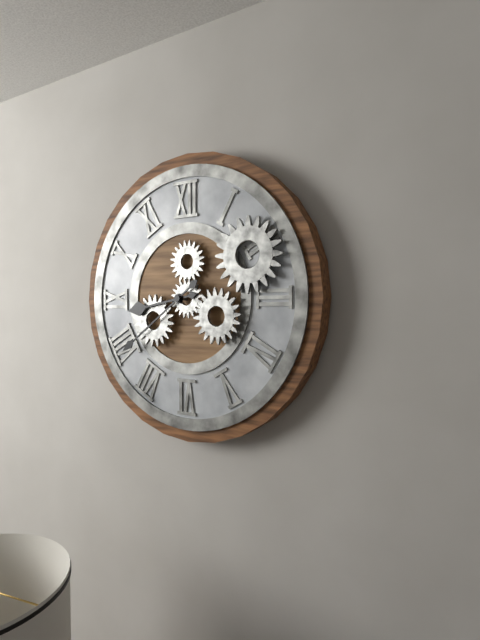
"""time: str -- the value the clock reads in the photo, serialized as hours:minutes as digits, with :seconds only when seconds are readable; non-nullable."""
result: 8:39
